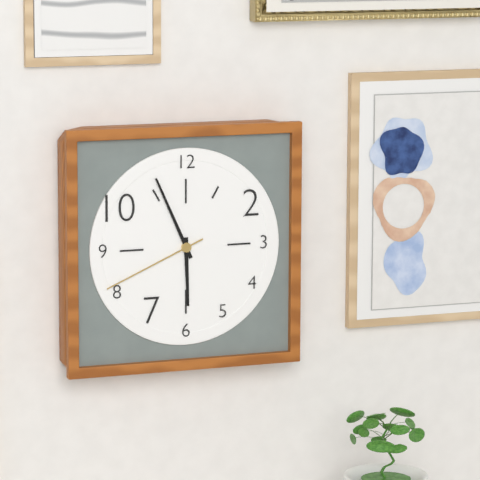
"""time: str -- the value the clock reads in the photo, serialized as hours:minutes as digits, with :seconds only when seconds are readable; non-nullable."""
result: 5:56:41
